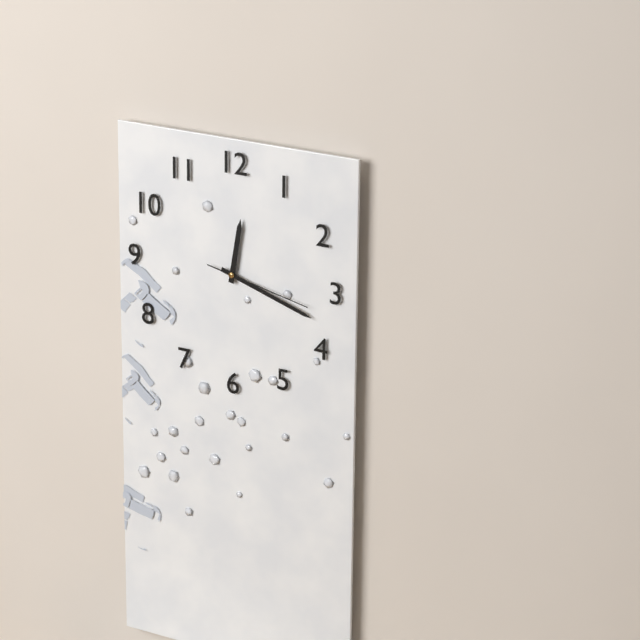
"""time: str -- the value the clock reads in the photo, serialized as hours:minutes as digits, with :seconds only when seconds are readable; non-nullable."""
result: 12:18:17
